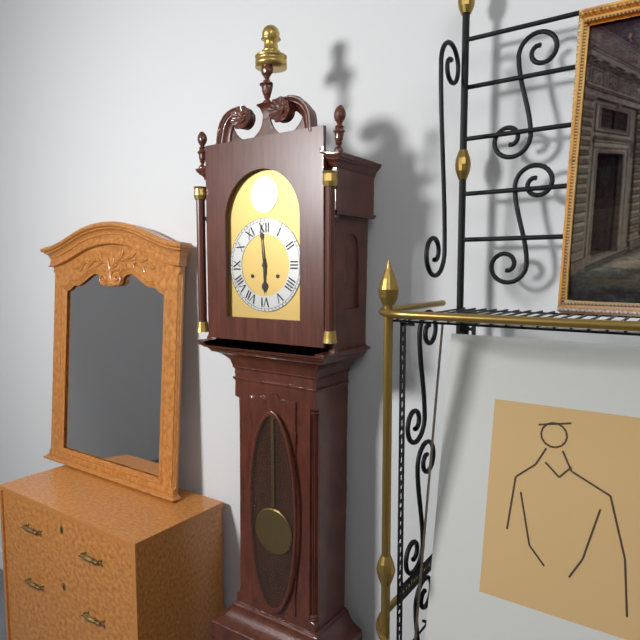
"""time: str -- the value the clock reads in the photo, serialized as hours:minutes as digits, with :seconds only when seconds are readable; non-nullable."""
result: 5:59
